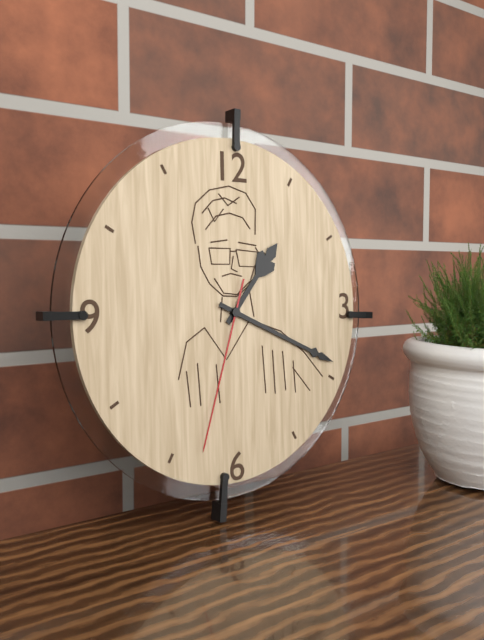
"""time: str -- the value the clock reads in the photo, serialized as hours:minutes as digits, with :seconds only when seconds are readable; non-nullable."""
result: 1:19:33
